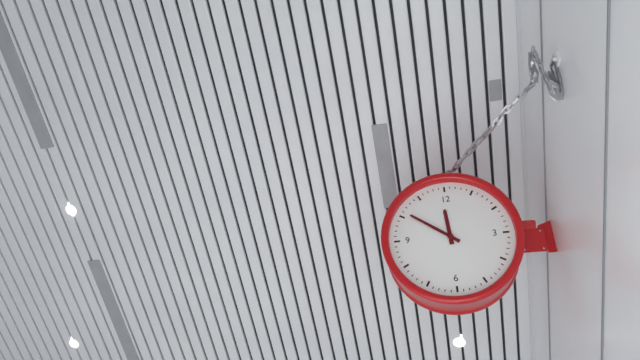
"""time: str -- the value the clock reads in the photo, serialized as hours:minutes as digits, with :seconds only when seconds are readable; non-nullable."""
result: 11:51
